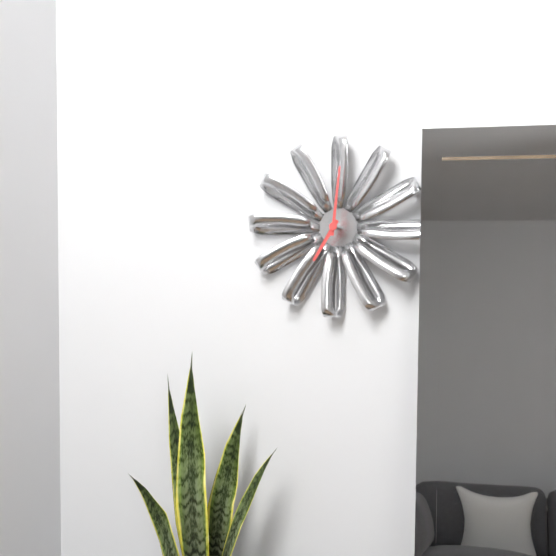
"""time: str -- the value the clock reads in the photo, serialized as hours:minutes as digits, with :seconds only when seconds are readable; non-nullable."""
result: 7:01
